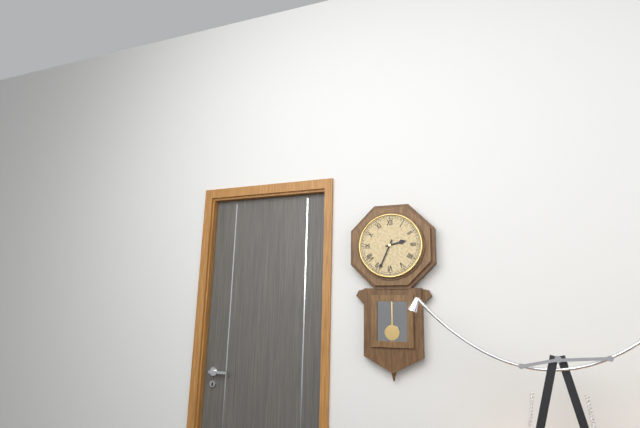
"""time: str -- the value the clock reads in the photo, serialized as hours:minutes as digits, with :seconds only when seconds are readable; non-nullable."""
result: 2:34
